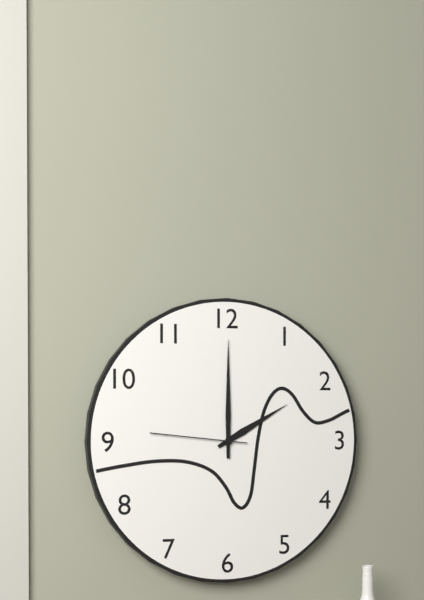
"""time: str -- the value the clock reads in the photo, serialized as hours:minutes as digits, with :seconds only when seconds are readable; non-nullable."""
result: 2:00:46
